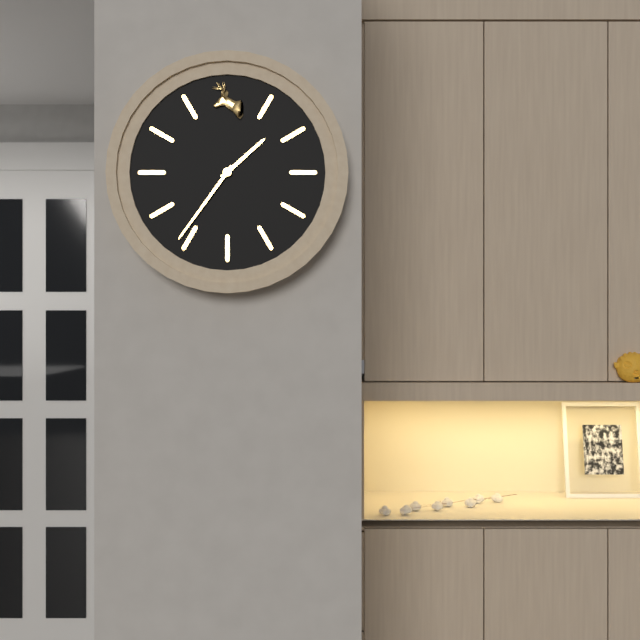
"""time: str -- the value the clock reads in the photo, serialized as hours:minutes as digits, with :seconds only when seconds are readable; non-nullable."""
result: 1:36
